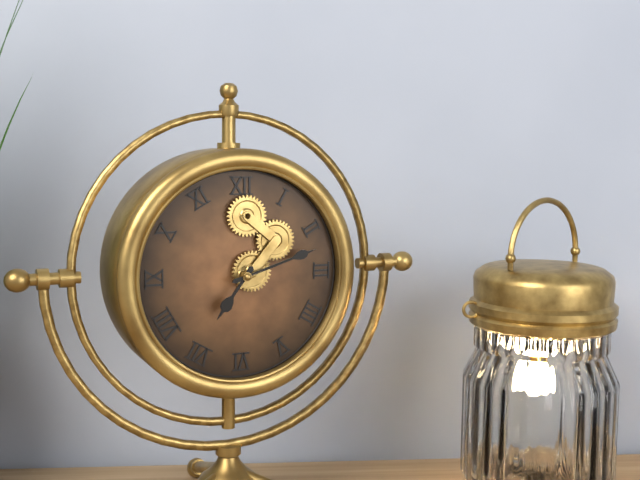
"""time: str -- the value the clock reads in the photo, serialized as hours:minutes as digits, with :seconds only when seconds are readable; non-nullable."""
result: 7:12
